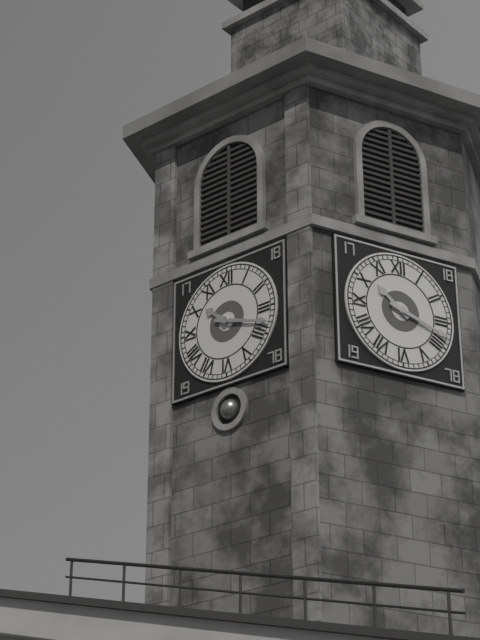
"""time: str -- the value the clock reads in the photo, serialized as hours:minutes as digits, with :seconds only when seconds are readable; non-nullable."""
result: 10:18
